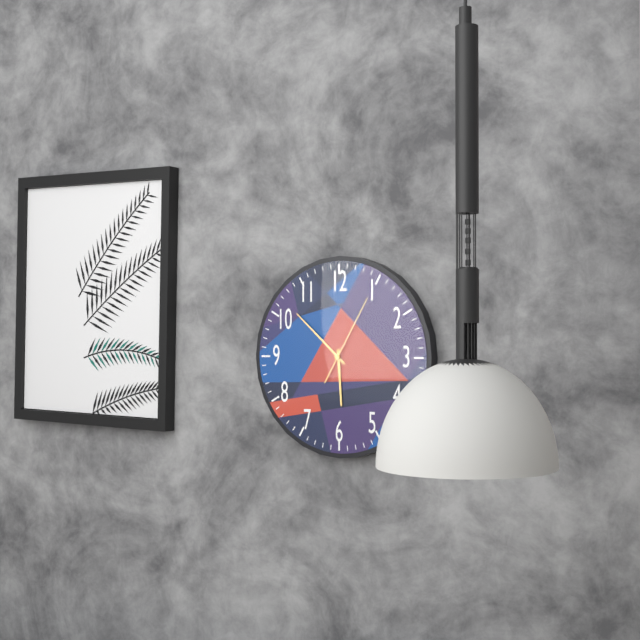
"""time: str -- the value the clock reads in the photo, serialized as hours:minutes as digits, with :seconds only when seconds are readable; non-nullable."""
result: 5:52:05
